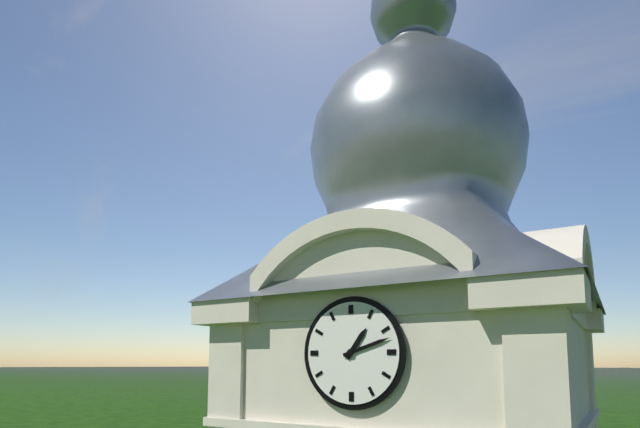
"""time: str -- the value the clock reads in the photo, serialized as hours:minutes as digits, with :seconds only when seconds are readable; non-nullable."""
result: 1:12
